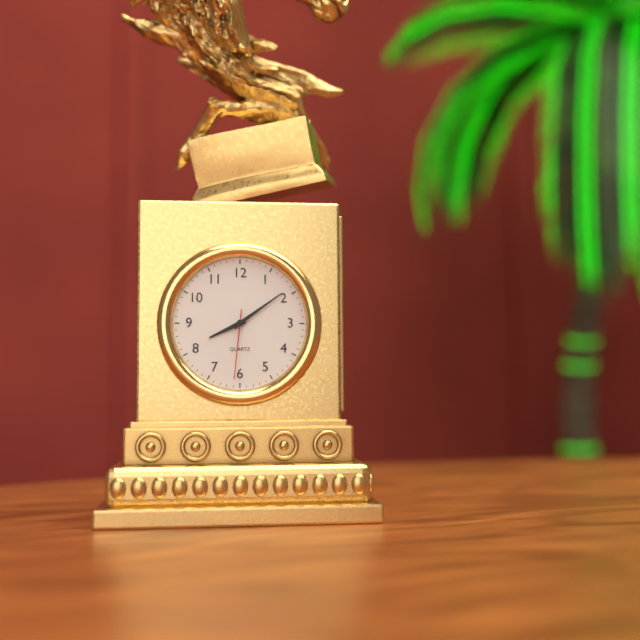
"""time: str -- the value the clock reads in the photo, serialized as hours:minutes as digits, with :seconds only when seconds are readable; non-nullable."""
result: 8:09:31
